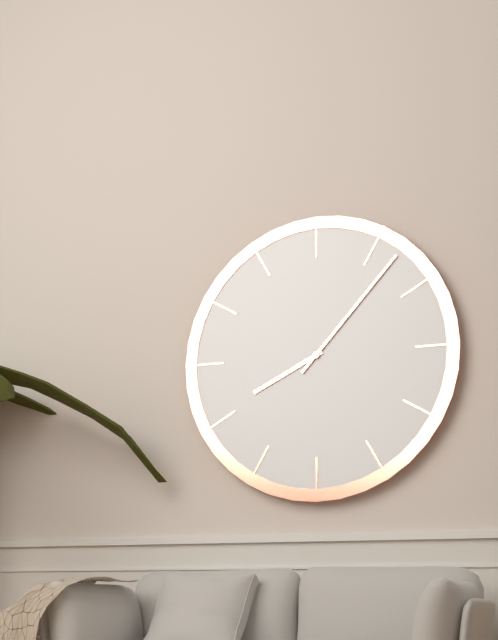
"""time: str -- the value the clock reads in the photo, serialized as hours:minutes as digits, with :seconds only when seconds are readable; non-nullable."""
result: 8:07
